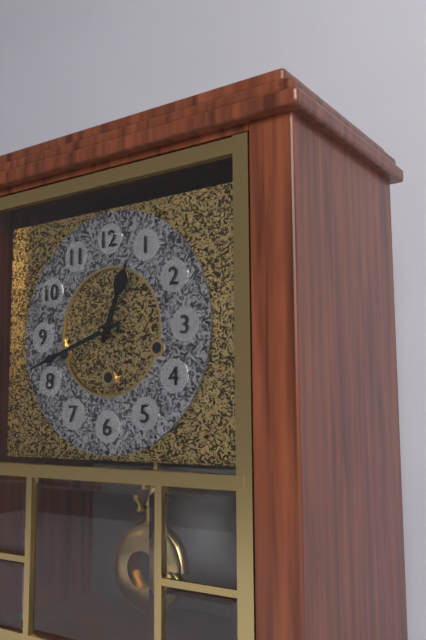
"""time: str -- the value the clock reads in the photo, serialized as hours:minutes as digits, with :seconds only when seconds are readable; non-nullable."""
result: 12:42
